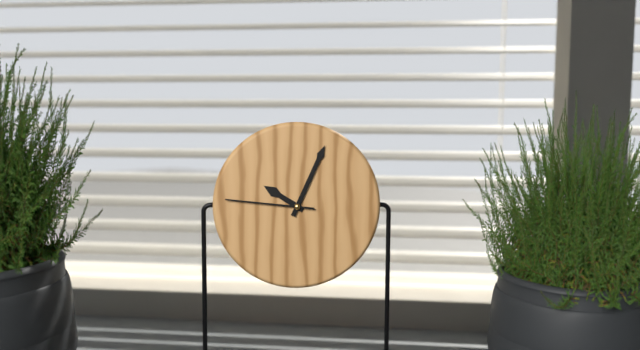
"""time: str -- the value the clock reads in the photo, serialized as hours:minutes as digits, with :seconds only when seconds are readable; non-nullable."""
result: 10:04:46
